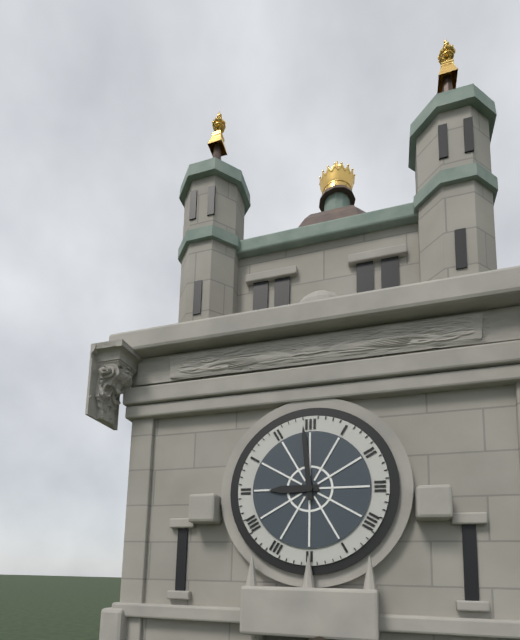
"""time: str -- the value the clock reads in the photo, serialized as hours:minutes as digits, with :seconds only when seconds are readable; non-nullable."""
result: 8:59
